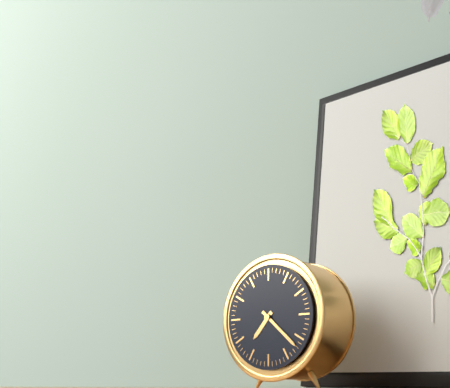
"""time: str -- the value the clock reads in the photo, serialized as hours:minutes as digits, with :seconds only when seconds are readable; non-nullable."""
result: 7:22
